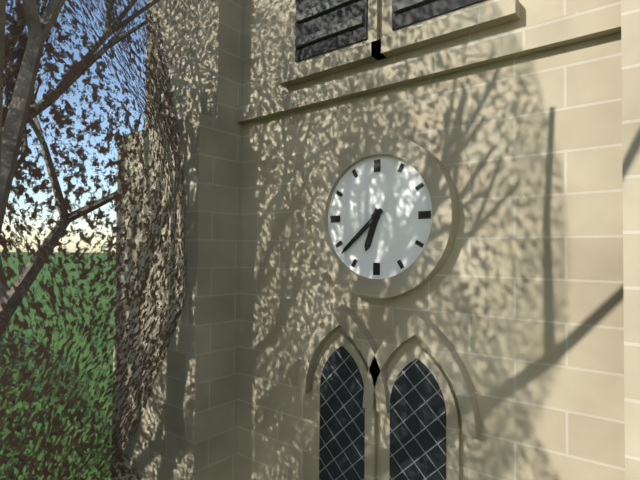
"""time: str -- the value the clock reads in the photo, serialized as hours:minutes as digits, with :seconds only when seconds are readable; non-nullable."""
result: 6:38
